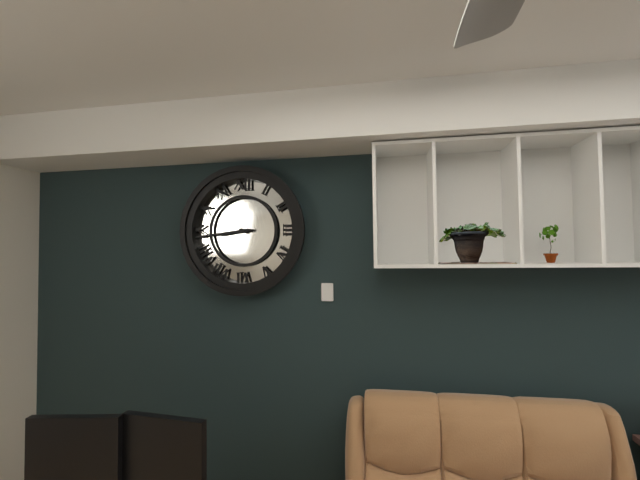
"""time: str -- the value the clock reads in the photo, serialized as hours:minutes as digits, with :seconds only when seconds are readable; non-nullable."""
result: 8:44
